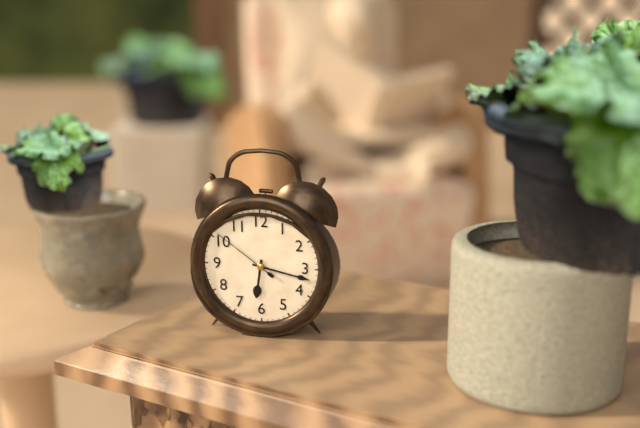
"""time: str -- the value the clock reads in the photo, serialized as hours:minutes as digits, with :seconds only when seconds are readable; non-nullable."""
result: 6:17:51
